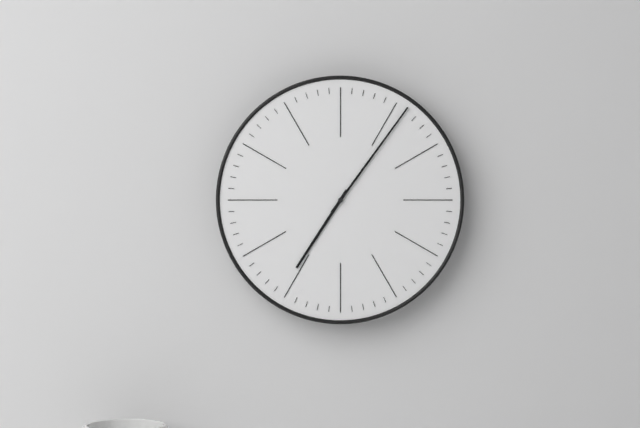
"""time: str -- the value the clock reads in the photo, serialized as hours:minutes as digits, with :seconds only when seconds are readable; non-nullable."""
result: 7:06
